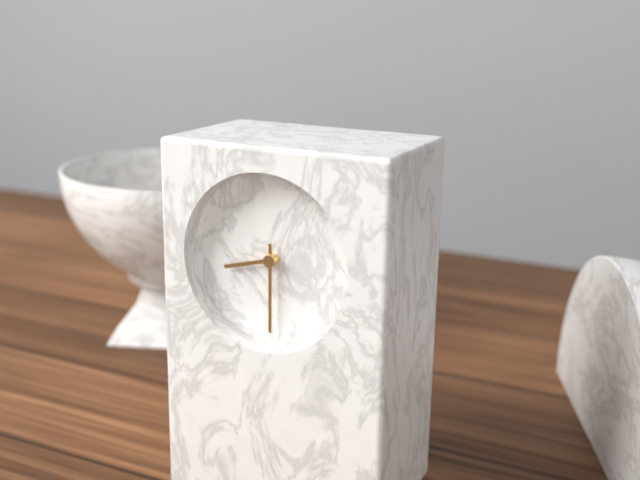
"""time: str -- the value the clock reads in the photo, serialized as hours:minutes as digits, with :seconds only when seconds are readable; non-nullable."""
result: 8:30
